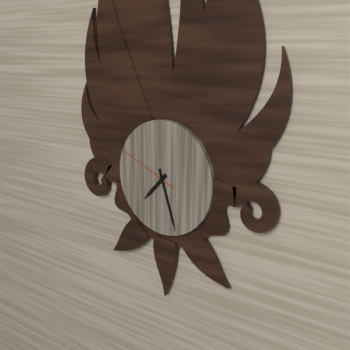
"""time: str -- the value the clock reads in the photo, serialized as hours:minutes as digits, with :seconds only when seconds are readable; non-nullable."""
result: 7:27:49
